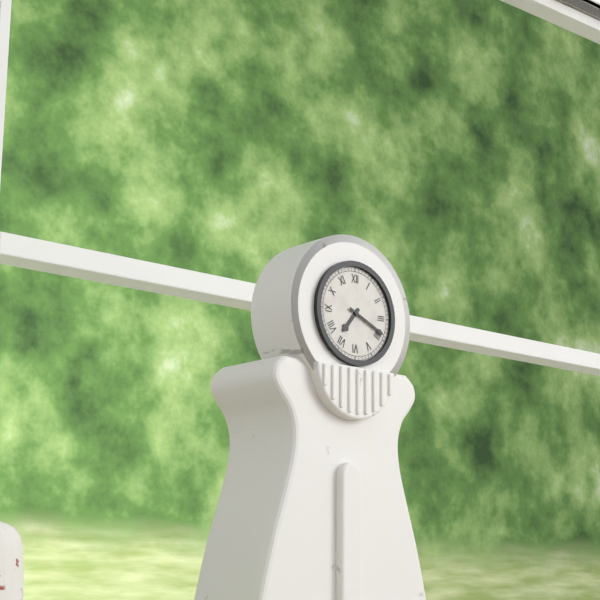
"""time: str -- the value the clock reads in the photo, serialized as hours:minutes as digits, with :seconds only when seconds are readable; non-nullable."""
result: 7:19
